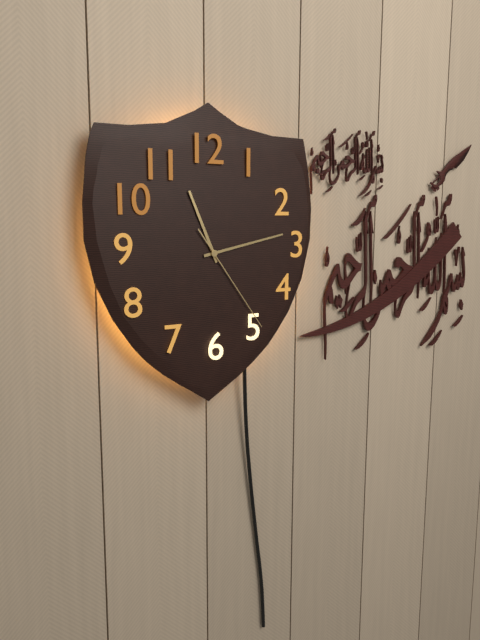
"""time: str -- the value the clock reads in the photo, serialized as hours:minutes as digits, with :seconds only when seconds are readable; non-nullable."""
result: 11:13:24
